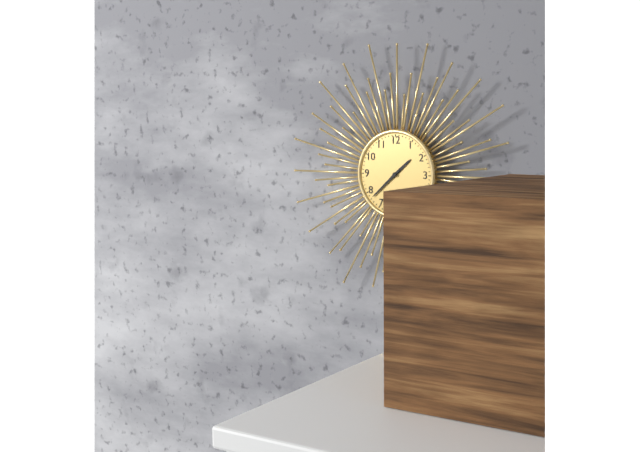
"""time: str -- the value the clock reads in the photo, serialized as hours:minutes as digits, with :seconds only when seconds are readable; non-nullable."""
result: 1:38
